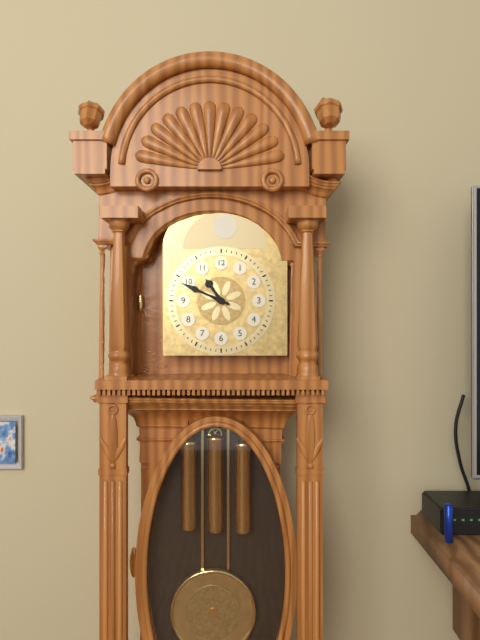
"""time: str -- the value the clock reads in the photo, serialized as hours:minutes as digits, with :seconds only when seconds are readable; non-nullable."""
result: 10:49
